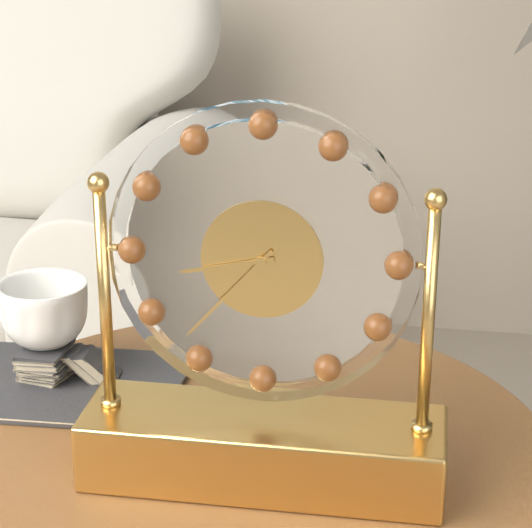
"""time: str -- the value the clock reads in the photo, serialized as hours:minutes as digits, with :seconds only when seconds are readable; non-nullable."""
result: 8:37
